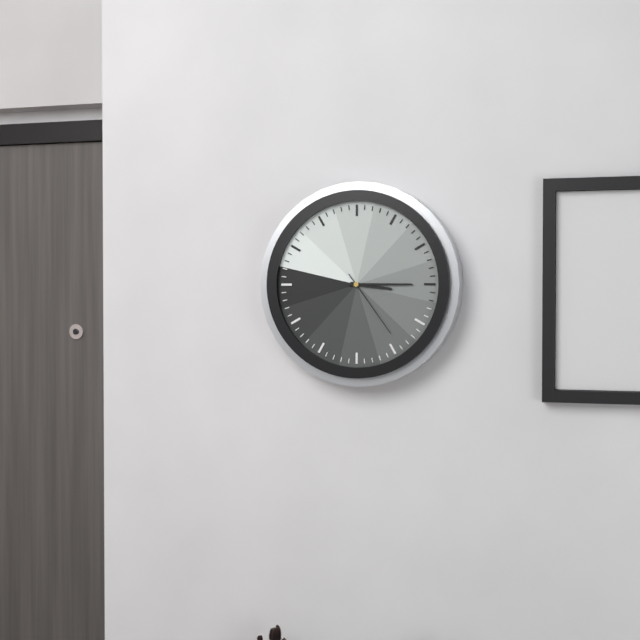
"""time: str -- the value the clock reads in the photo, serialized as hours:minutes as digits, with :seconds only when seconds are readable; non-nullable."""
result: 3:15:24
